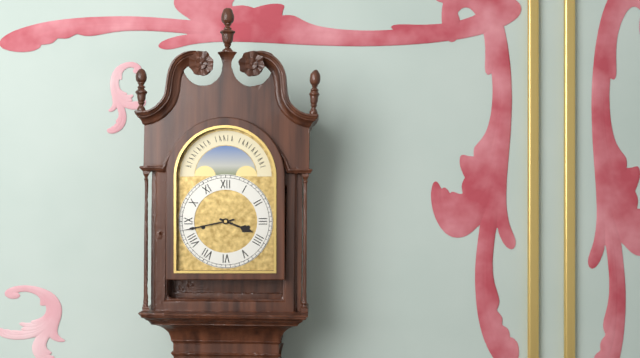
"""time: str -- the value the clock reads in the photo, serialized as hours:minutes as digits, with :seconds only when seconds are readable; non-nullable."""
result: 3:43
